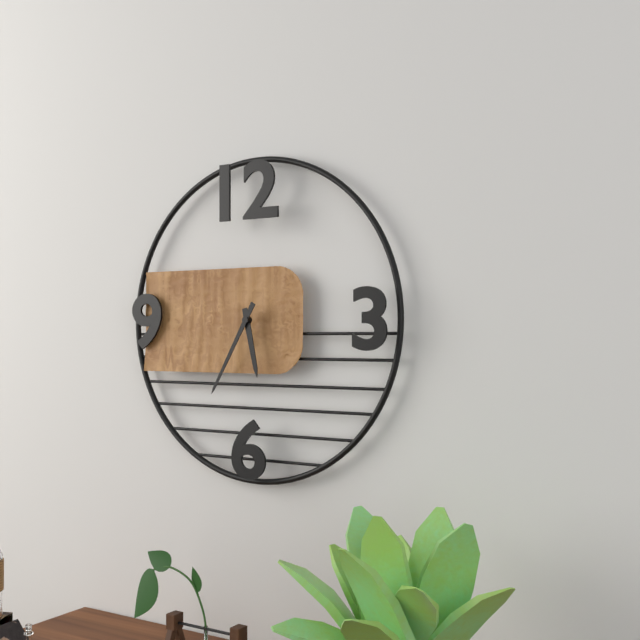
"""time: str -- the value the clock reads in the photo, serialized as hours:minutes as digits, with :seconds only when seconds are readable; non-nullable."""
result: 5:35
